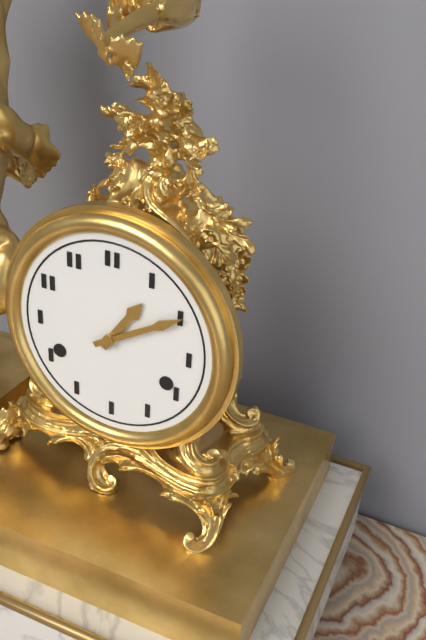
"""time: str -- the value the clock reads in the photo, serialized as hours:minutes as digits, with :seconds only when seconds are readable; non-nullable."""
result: 1:10
